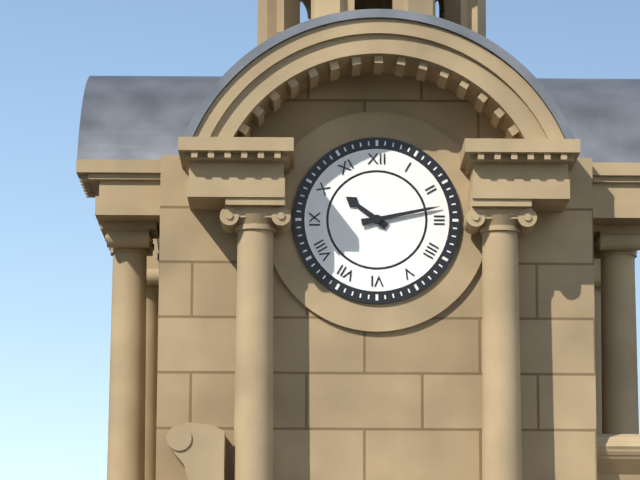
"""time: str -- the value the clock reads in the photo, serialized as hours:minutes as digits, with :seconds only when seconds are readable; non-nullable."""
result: 10:13
